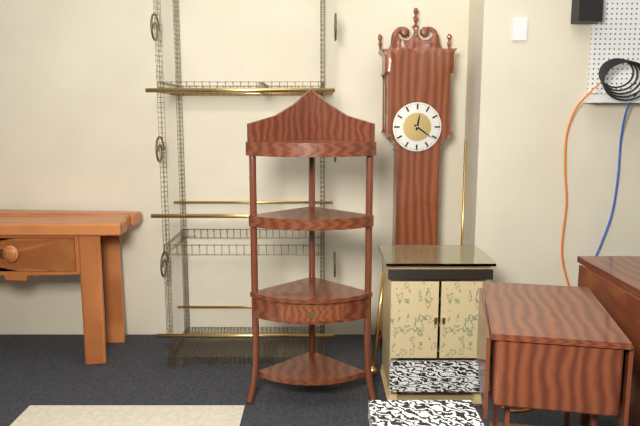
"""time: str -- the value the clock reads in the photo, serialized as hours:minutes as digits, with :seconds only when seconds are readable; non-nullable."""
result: 12:21
